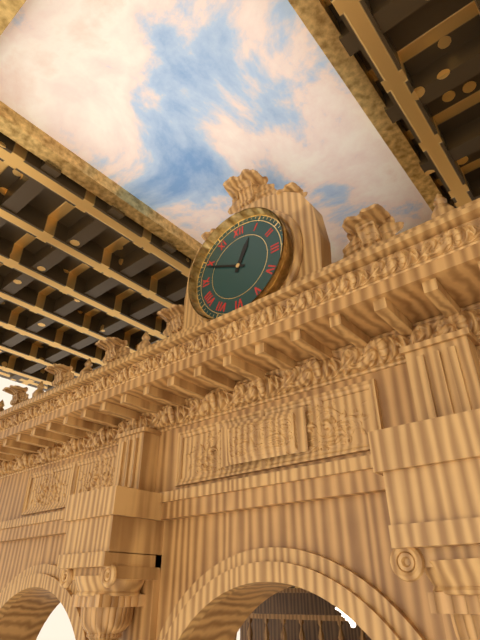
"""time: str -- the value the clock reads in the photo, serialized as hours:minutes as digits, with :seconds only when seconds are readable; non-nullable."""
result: 12:49
